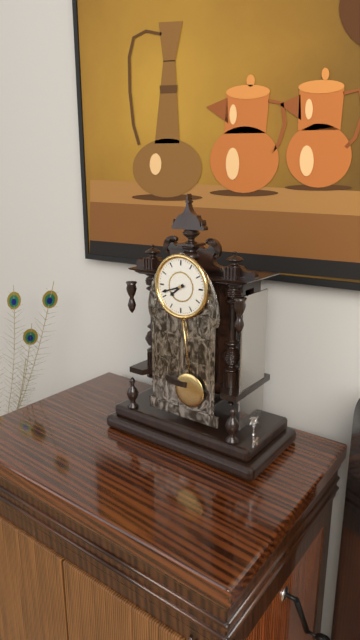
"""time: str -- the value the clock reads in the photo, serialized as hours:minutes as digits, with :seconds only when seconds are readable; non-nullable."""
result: 7:42
